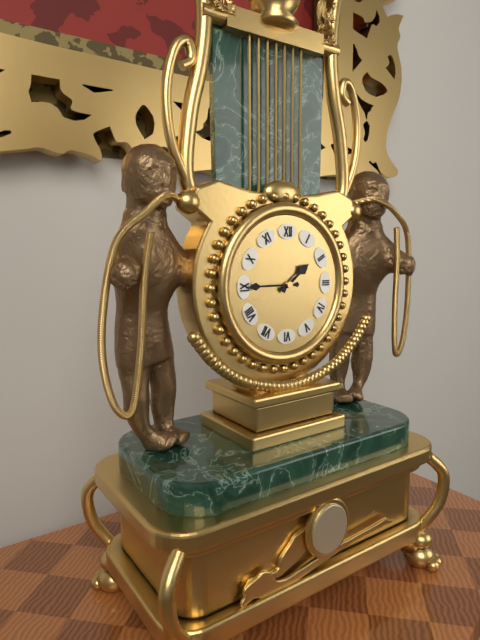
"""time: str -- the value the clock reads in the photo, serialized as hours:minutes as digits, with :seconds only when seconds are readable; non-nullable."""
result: 1:45
